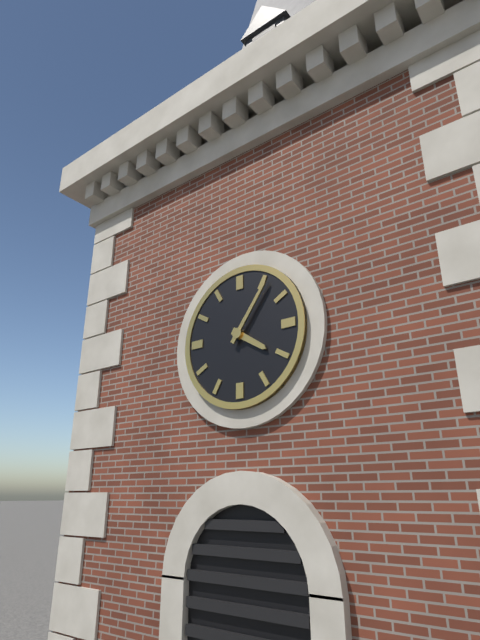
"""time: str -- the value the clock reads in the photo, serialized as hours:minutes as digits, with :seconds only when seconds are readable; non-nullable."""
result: 4:06
